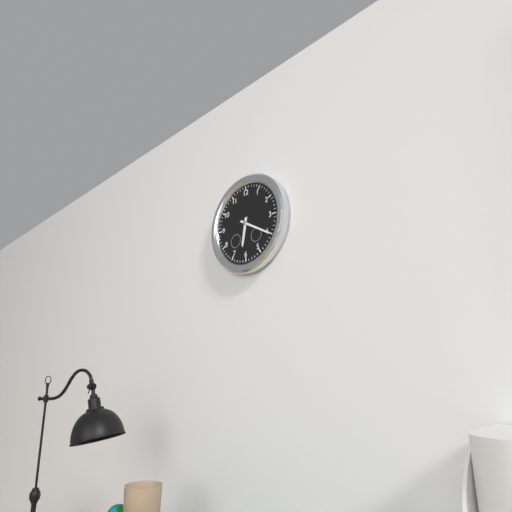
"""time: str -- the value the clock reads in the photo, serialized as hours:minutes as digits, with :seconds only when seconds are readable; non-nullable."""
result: 6:20
